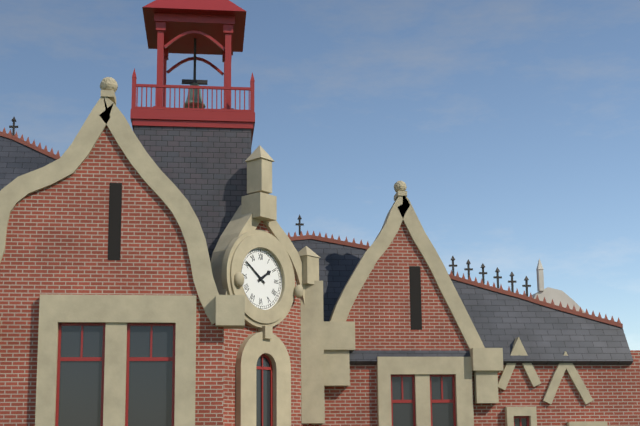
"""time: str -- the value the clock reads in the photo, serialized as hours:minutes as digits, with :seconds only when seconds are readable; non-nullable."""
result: 1:51
